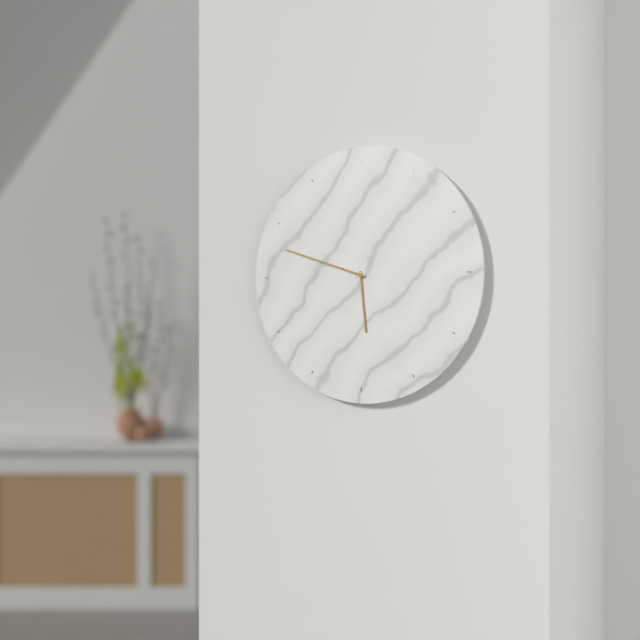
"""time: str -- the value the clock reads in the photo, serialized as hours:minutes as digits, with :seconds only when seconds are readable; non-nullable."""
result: 5:48
